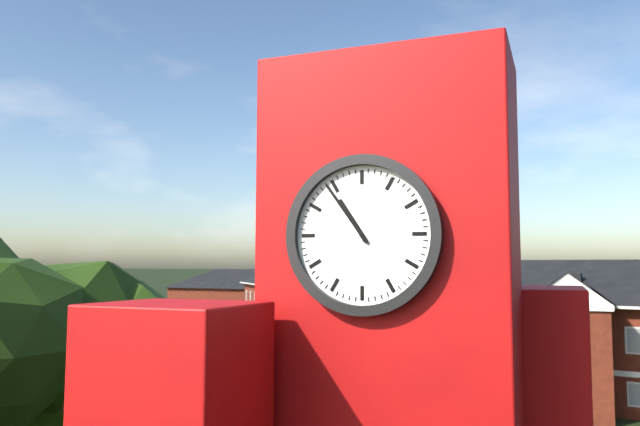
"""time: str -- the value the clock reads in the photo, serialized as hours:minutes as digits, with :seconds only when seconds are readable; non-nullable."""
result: 10:54
